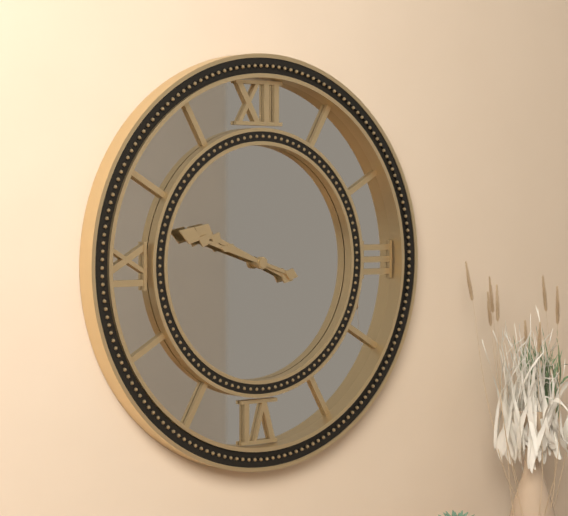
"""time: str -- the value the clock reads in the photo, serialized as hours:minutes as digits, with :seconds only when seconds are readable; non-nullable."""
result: 9:48
